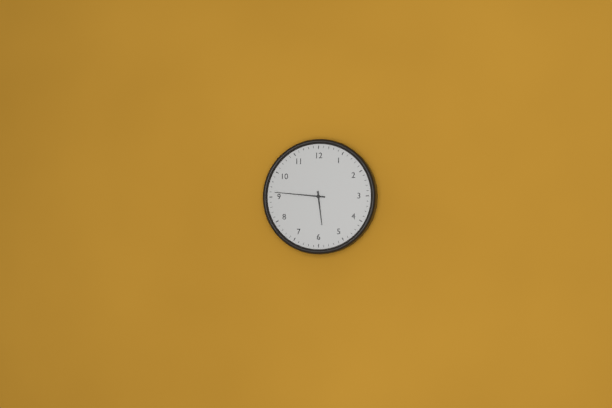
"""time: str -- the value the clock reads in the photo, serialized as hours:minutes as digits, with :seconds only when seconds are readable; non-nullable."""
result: 5:46
